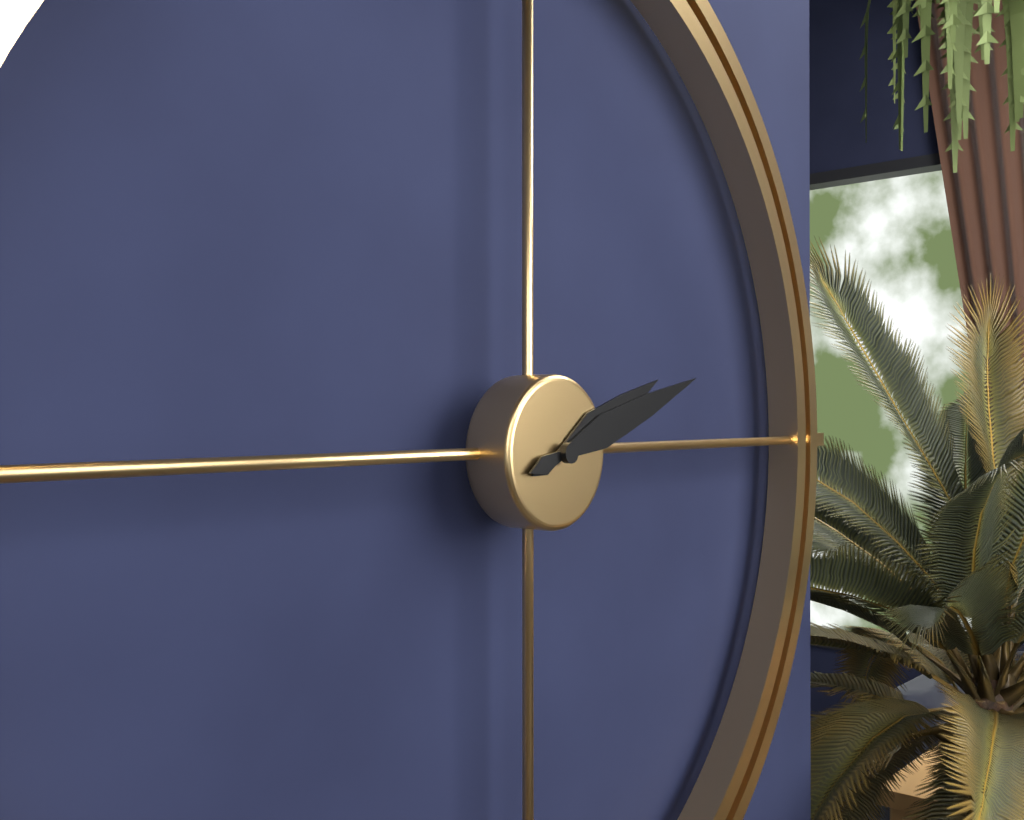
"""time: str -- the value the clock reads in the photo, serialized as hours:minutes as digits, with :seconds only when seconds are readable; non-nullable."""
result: 2:12
